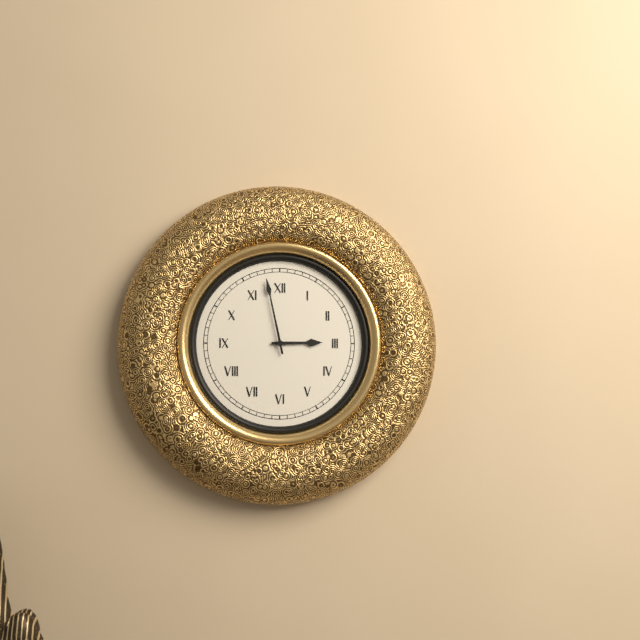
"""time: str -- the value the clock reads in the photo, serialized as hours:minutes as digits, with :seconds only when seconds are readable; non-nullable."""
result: 2:58
